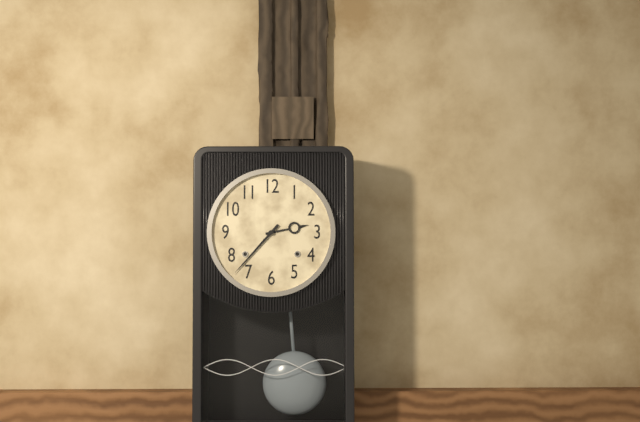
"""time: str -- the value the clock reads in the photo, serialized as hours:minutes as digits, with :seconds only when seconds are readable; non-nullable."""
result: 2:37
